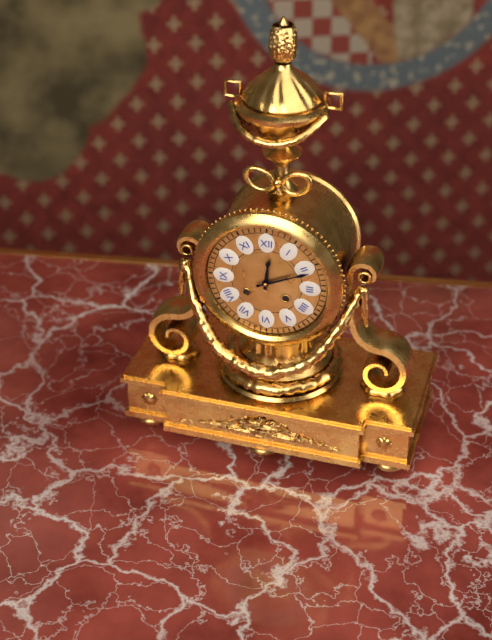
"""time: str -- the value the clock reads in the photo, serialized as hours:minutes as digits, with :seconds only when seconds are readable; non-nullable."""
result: 12:11
